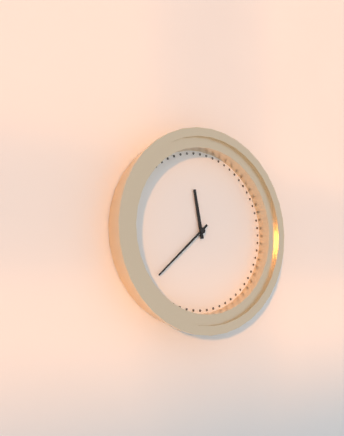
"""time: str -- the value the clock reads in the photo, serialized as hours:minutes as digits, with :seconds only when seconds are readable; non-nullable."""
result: 11:38
